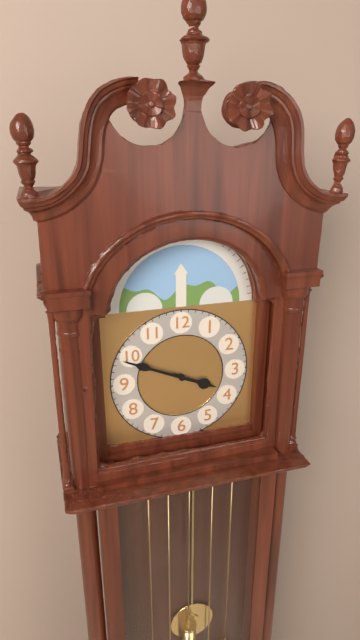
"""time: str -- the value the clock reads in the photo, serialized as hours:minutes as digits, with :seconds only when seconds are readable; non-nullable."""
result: 3:49
